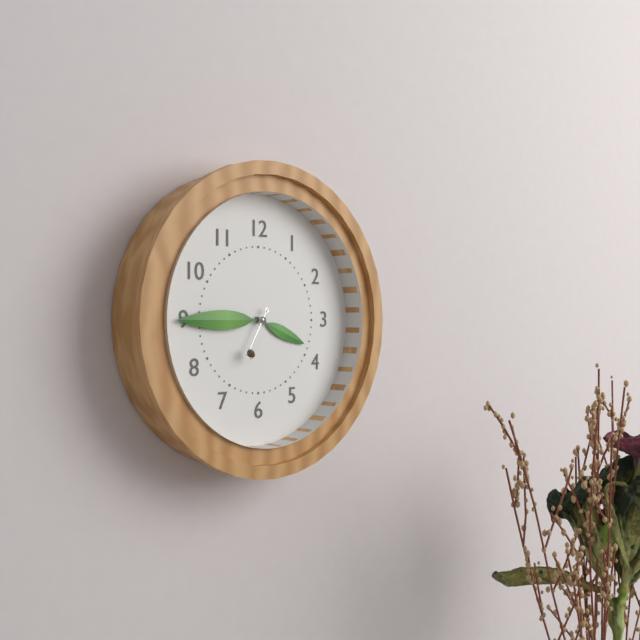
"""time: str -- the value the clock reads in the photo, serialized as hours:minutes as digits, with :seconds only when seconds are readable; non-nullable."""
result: 3:45:35
